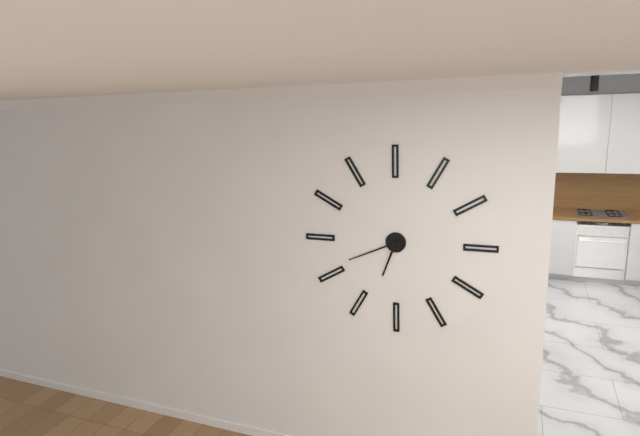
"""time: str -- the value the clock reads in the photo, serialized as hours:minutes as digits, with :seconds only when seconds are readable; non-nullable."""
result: 6:41
